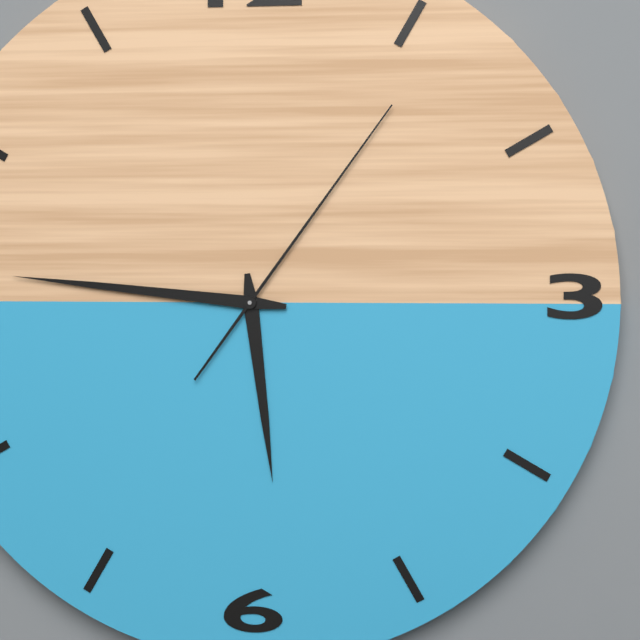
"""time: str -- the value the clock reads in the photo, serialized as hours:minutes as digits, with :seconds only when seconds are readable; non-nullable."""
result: 5:46:06
